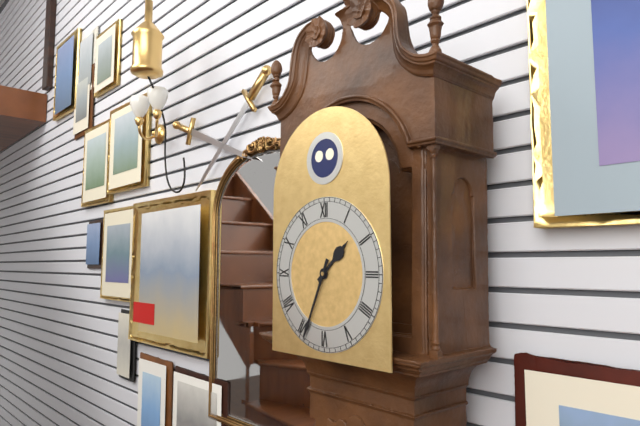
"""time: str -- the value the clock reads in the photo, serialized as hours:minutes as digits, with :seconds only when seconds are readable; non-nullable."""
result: 1:34
